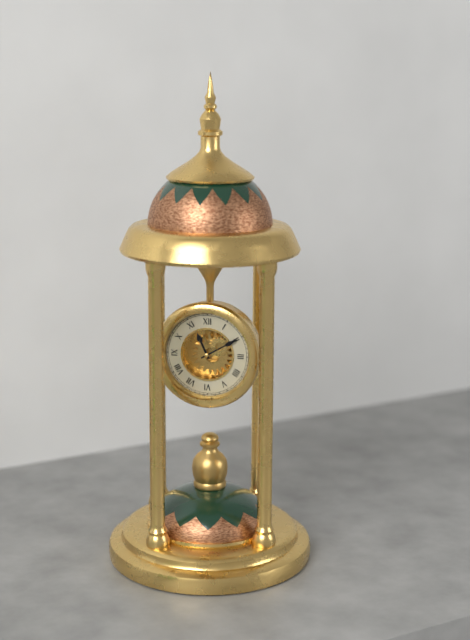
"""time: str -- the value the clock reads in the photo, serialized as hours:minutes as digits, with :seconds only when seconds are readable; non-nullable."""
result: 11:10
